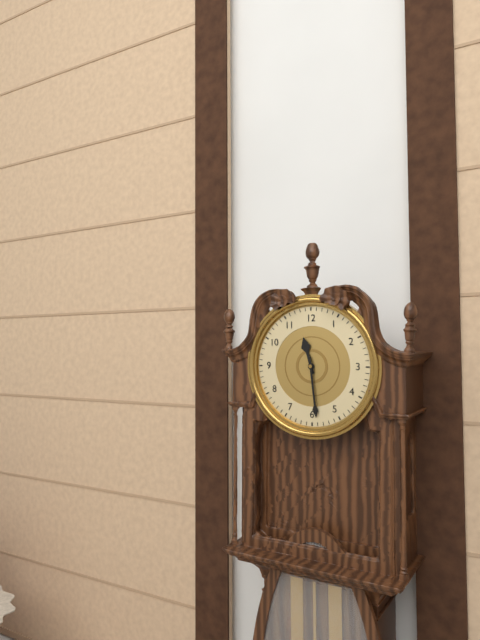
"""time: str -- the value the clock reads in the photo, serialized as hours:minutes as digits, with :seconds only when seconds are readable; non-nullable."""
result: 11:29
